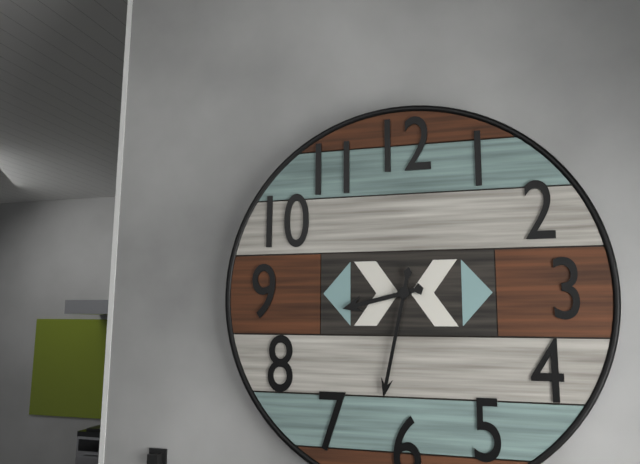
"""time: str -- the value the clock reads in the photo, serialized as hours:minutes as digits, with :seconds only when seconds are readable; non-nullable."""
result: 8:32
